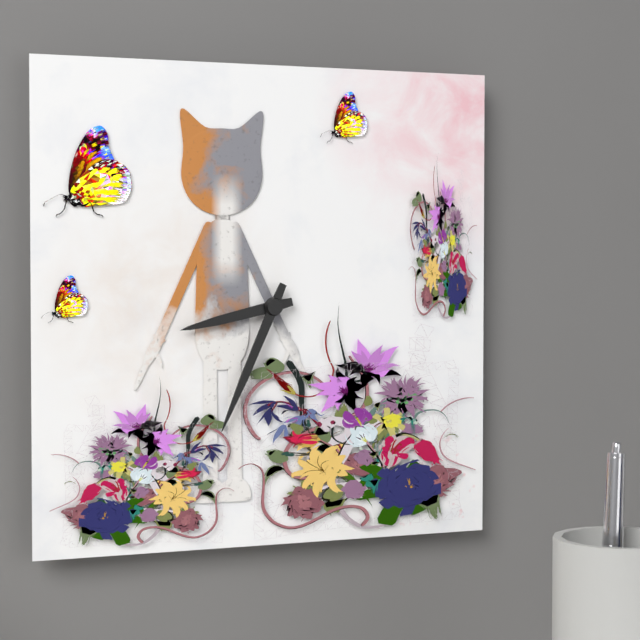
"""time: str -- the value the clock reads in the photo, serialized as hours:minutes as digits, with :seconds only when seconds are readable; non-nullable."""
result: 8:34
